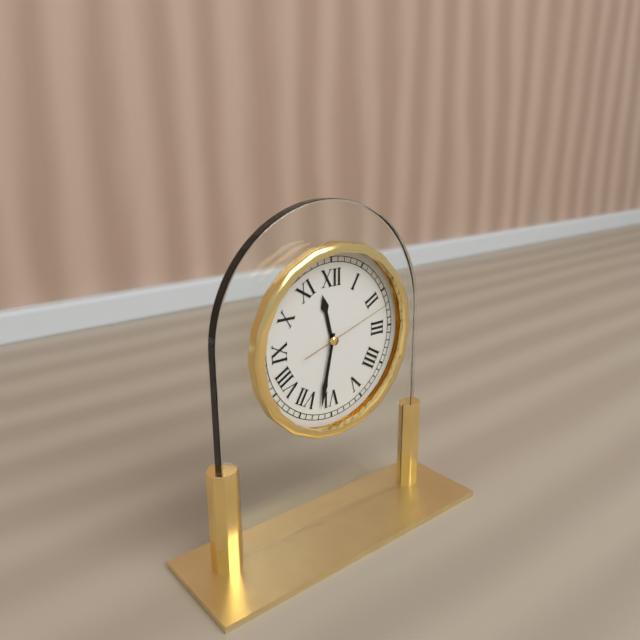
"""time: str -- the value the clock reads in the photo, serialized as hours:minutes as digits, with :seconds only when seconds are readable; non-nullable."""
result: 11:32:12
